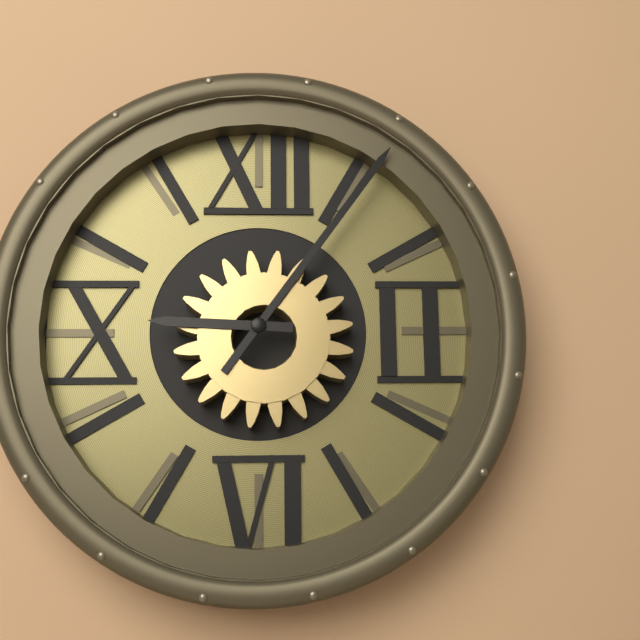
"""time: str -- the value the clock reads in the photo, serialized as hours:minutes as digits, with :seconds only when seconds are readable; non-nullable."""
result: 9:06
